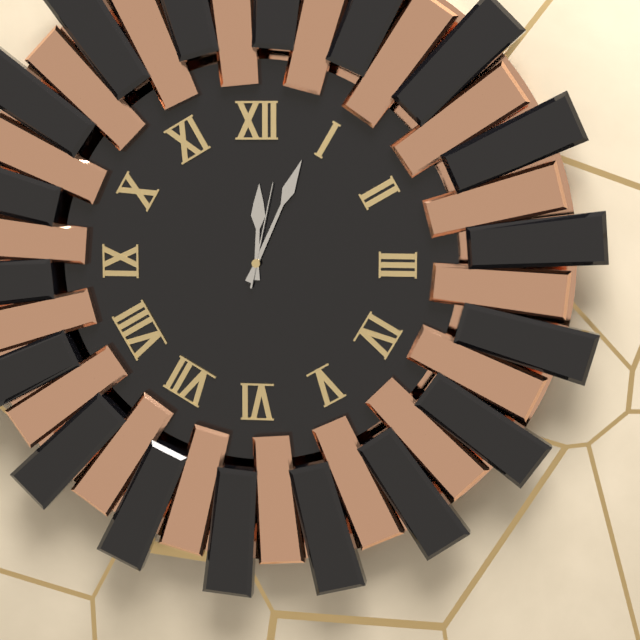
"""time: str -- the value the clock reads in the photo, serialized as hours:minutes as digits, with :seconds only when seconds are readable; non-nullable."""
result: 12:04:02
